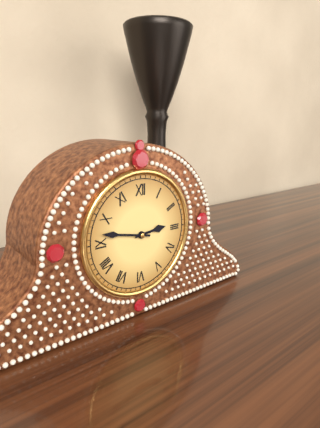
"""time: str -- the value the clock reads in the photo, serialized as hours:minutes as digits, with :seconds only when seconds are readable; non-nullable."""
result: 2:47
